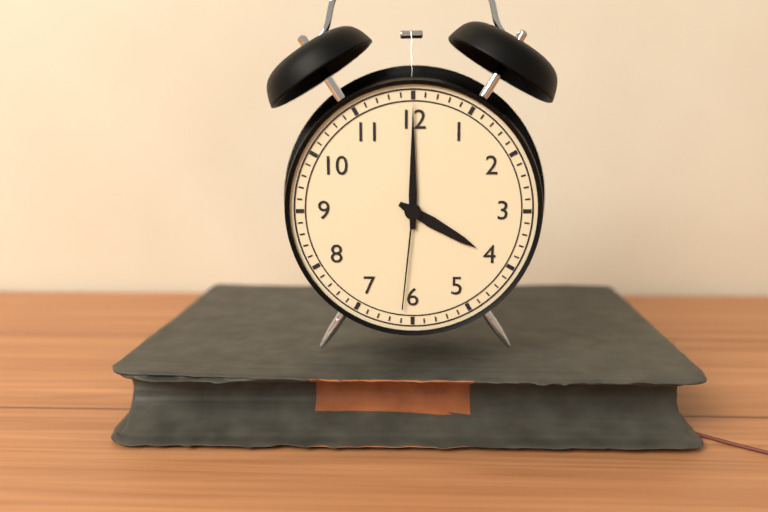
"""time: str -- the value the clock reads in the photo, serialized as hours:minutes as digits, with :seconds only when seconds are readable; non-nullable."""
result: 4:00:31
